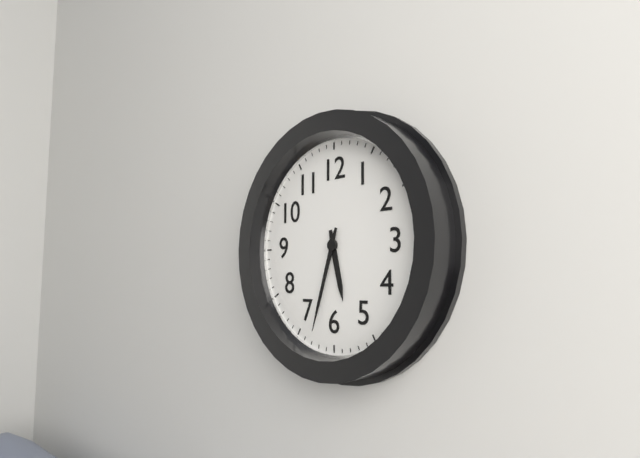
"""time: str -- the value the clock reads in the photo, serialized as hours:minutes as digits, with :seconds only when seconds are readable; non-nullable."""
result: 5:33
